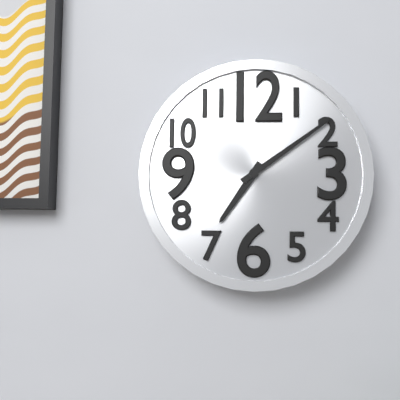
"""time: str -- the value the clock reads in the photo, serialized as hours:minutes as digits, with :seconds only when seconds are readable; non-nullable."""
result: 7:09
